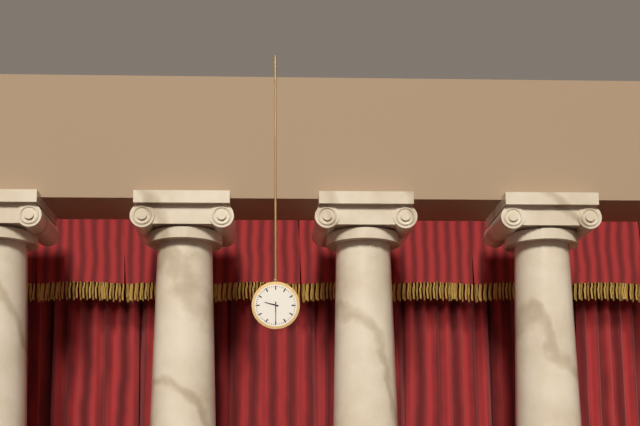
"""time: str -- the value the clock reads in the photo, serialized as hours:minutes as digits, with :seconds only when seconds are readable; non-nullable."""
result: 9:30
